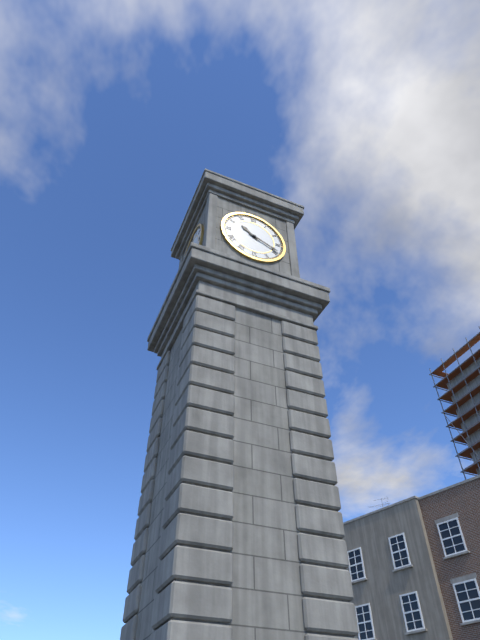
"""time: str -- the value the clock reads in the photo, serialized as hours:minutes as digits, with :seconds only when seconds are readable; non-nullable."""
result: 10:19
